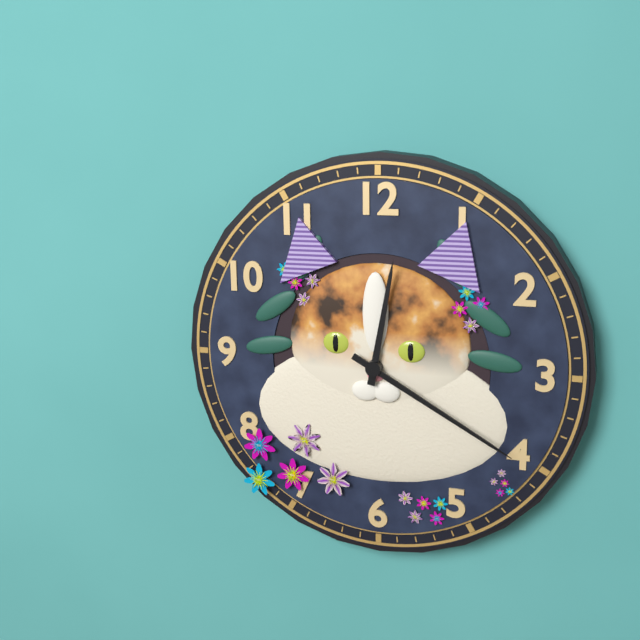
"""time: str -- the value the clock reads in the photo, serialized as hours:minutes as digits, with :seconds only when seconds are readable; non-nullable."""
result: 12:20
